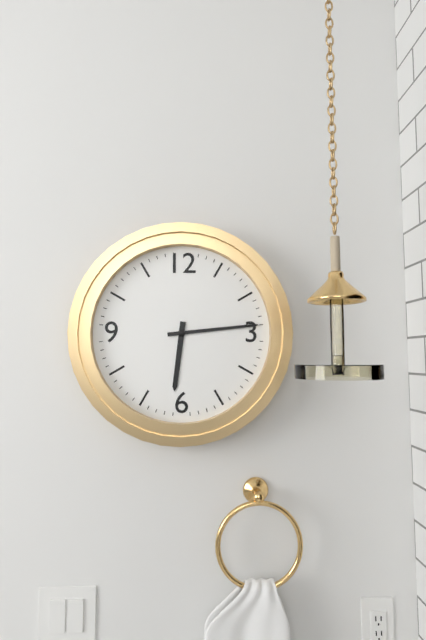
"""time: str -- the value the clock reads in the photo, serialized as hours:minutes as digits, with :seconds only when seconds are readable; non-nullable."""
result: 6:14
